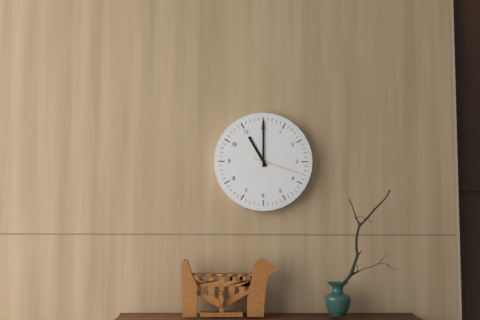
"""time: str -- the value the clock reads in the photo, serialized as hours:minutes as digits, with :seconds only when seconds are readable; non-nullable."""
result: 11:00
